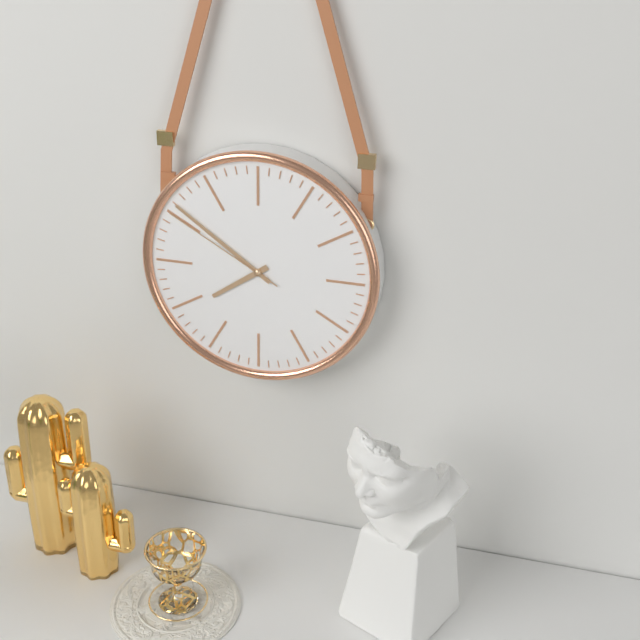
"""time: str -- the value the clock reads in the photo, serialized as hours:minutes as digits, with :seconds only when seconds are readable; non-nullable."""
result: 7:51:50
